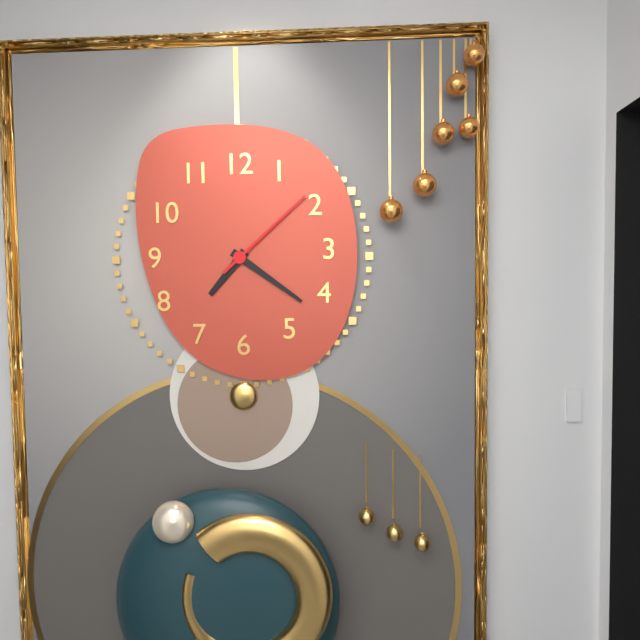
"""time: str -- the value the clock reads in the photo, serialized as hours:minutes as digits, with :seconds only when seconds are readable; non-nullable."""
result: 7:21:08
